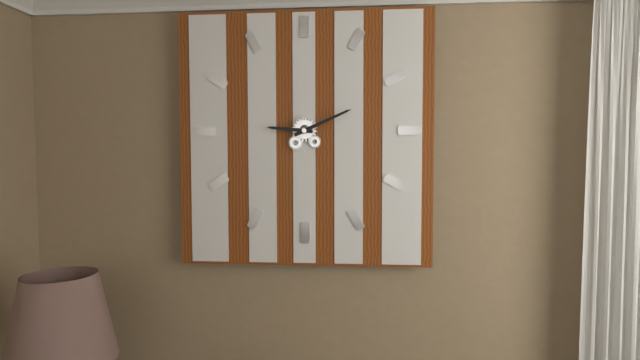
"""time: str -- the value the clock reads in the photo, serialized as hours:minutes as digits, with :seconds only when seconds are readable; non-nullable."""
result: 9:11
